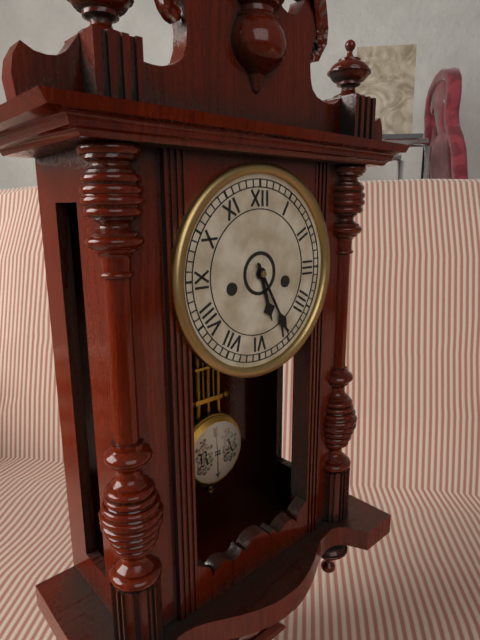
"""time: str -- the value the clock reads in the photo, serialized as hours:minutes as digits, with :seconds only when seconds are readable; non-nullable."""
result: 5:25
